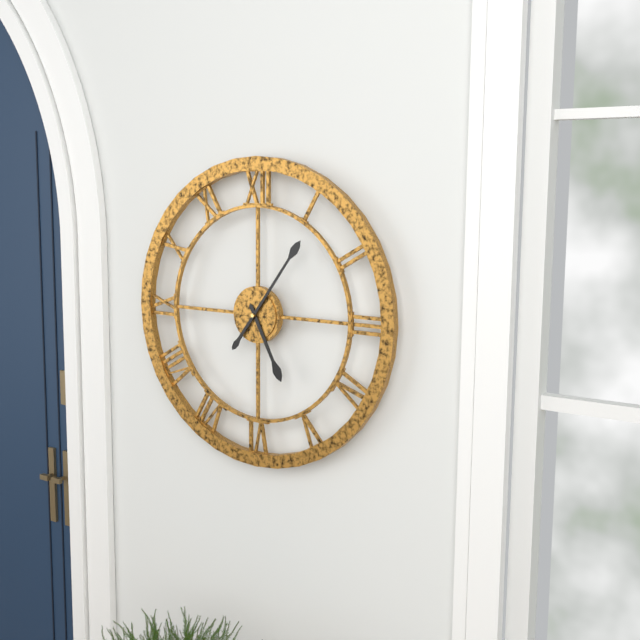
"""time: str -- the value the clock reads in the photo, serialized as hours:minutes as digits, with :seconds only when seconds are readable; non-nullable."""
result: 5:06
